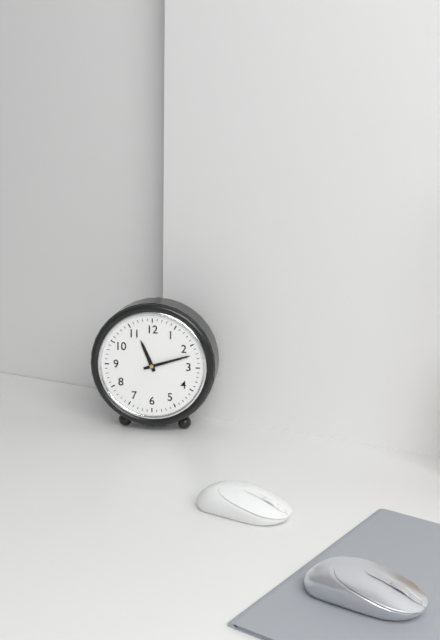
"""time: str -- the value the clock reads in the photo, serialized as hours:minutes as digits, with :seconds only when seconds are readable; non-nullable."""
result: 11:12
